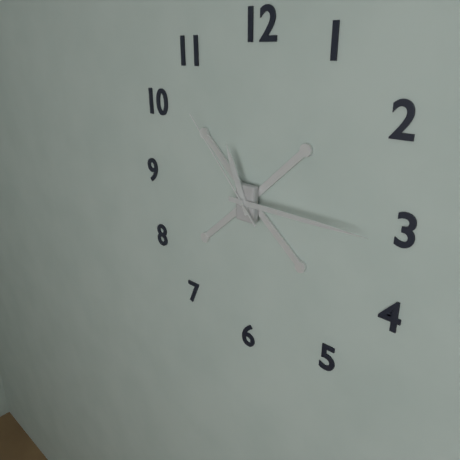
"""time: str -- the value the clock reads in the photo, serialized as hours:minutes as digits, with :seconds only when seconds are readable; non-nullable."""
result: 11:15:53
